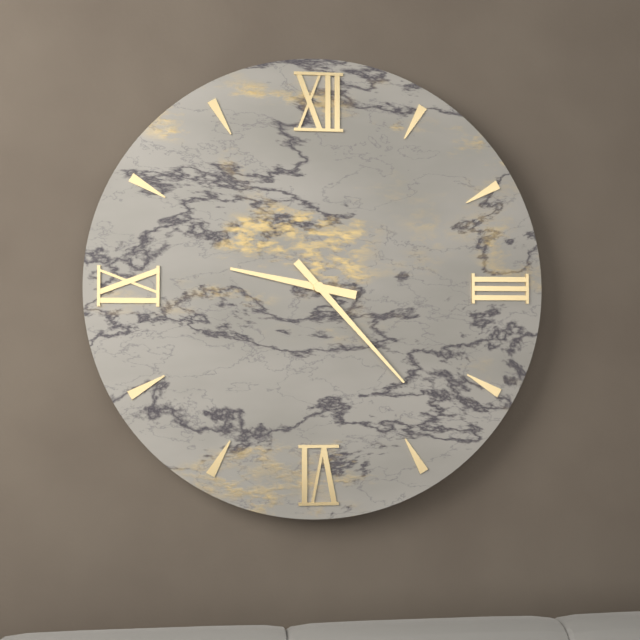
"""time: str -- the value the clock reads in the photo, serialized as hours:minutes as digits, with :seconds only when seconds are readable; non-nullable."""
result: 9:23
